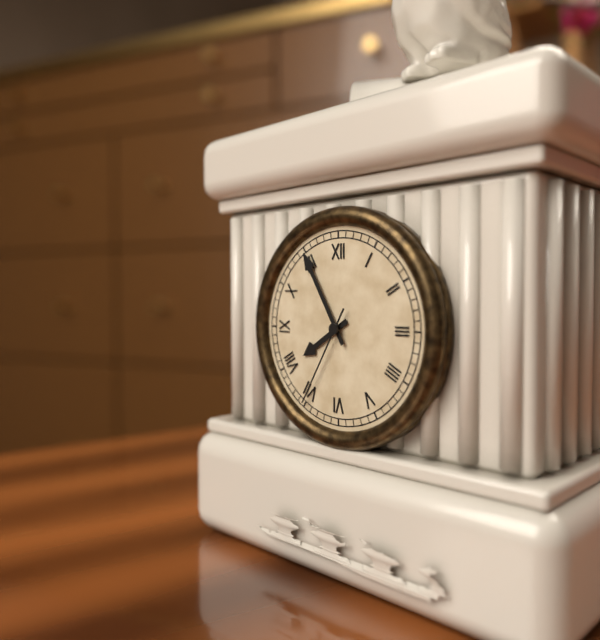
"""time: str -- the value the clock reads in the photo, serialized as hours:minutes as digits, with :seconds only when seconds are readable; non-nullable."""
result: 7:55:35
